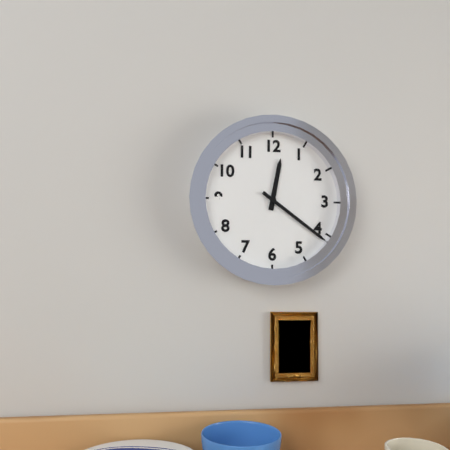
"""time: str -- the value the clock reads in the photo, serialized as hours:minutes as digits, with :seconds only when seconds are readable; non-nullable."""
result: 12:21
